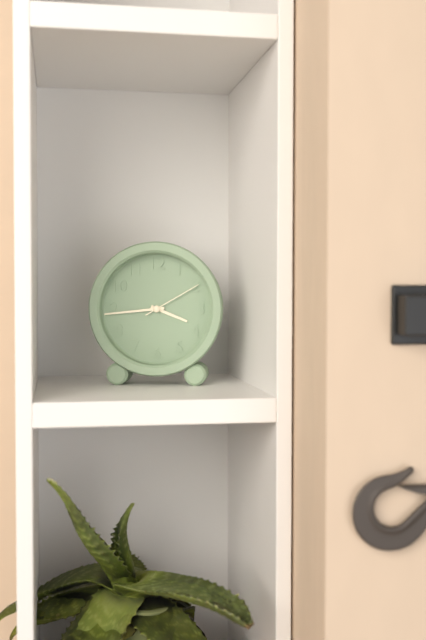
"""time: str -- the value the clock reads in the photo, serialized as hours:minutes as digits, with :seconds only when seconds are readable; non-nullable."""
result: 3:44:10
